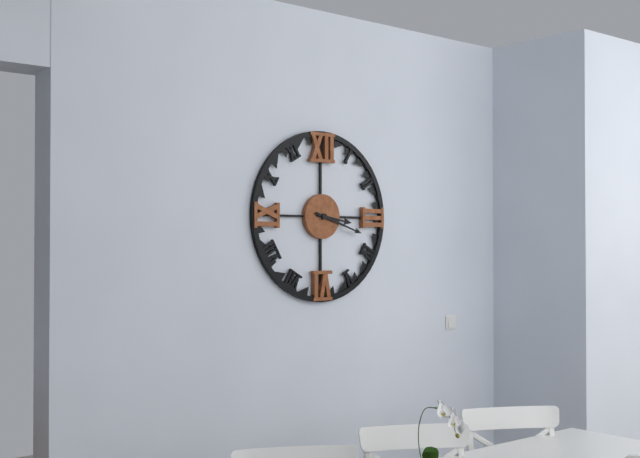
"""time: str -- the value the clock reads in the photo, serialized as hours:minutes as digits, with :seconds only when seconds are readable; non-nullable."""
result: 3:18
